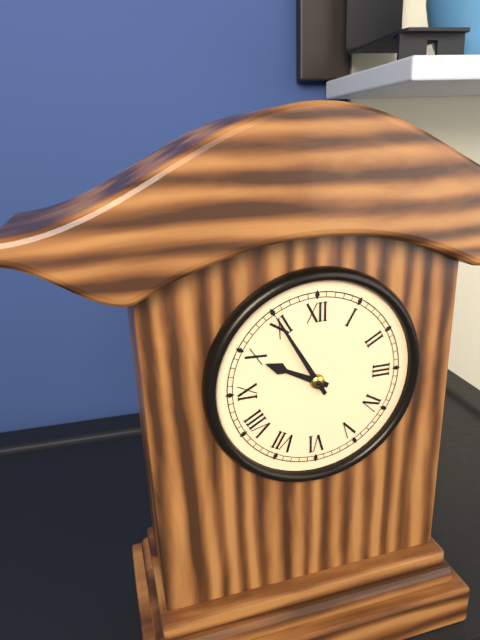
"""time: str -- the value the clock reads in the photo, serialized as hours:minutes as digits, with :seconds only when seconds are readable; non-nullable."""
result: 9:55
